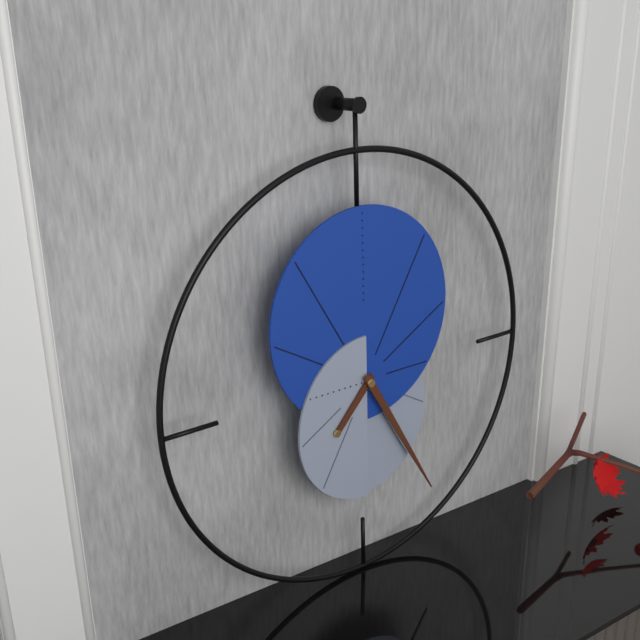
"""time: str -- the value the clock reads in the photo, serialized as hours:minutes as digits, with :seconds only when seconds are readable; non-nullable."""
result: 7:25
